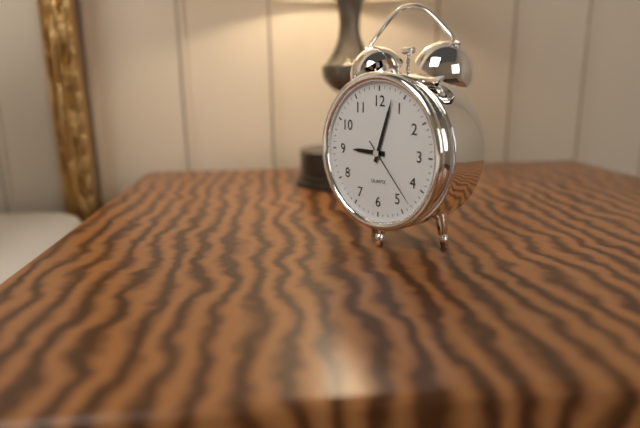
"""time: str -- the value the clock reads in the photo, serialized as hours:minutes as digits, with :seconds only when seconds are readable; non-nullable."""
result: 9:03:23
